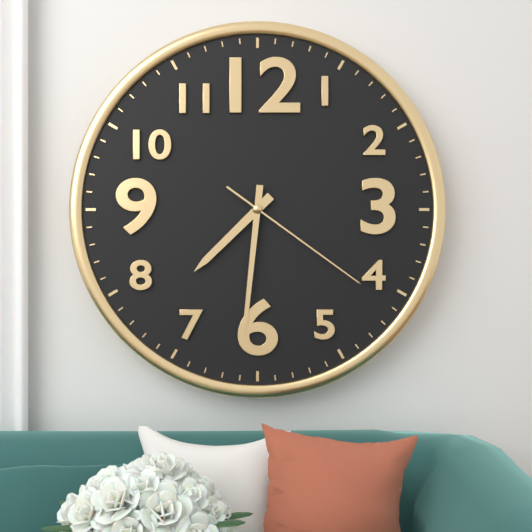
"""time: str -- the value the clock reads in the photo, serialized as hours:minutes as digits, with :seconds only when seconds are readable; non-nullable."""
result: 7:31:21
